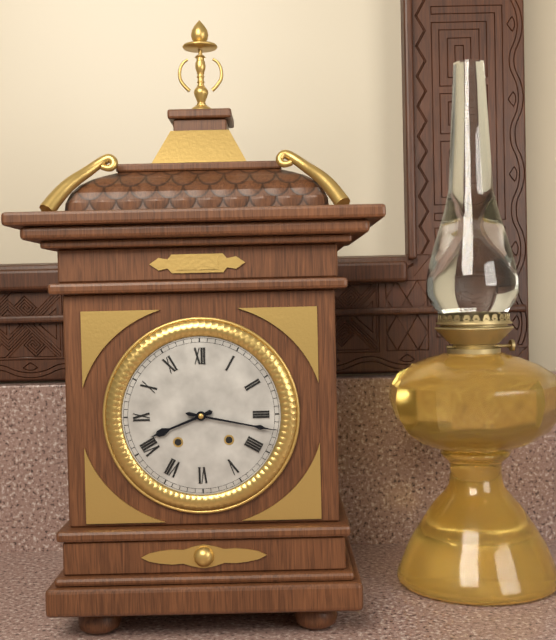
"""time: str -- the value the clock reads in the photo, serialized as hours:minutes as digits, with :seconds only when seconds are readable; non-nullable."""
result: 8:17
